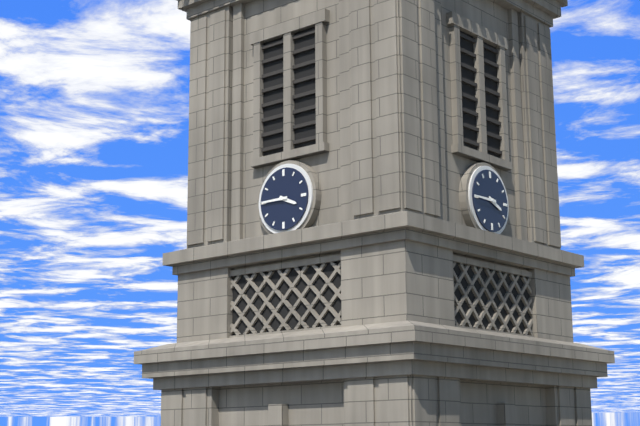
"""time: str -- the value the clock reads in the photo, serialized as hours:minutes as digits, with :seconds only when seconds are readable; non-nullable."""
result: 3:45
